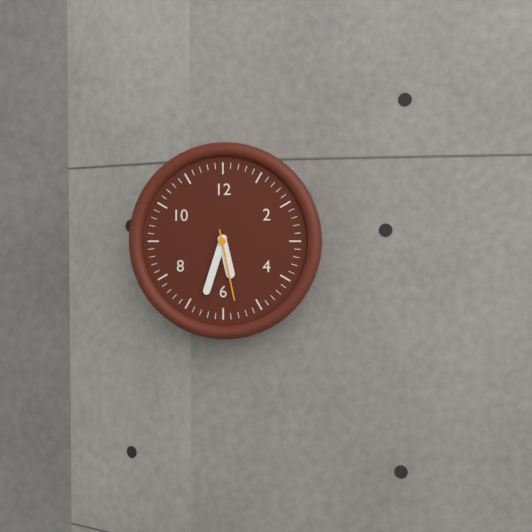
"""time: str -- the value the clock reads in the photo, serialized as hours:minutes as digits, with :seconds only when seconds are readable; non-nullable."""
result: 5:33:28
